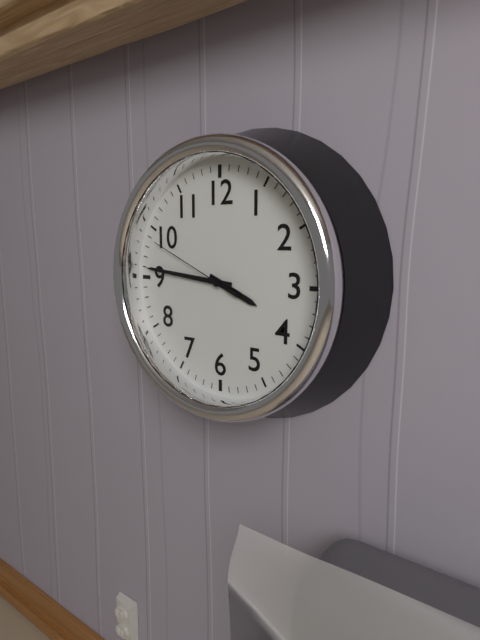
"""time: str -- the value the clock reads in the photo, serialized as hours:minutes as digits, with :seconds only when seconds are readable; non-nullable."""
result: 3:46:49
